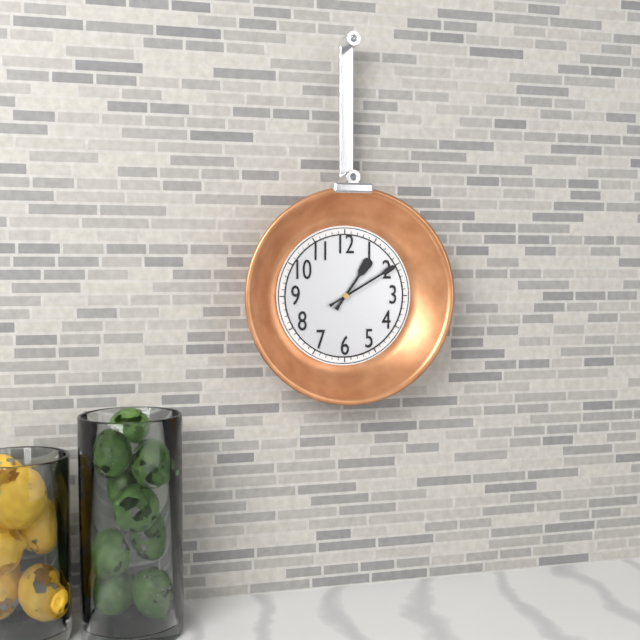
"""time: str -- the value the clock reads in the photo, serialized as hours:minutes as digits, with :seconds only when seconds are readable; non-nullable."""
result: 1:10
